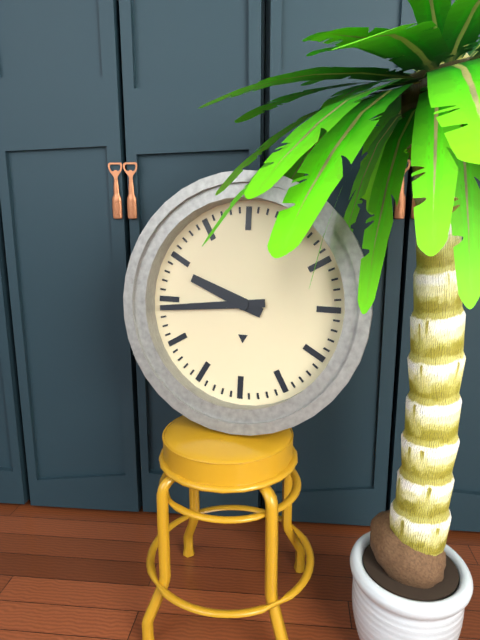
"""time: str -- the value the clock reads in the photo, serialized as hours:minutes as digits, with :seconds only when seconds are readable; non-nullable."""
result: 9:44
